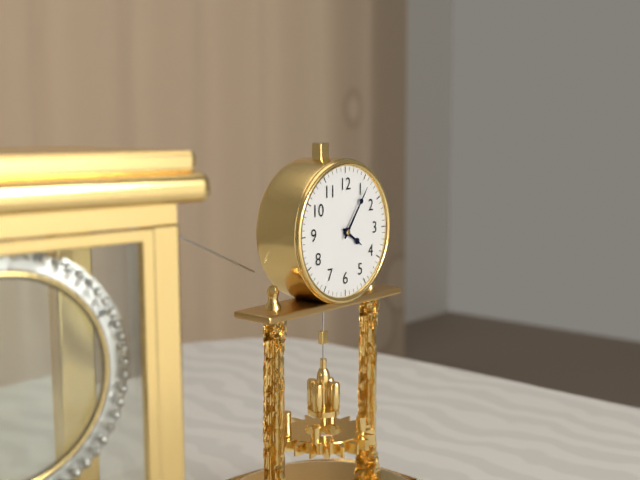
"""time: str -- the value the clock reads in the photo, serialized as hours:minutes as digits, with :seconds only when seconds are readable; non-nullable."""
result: 4:06
